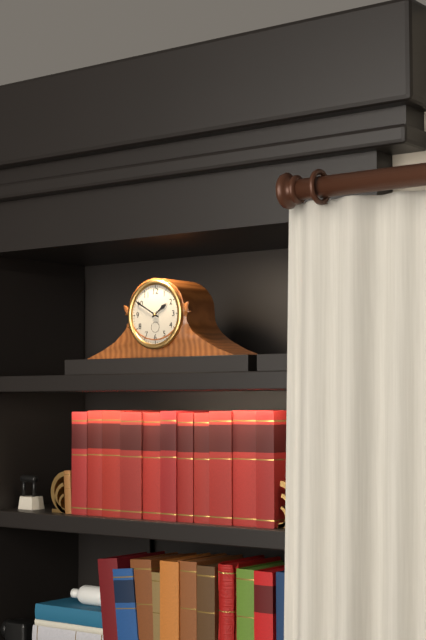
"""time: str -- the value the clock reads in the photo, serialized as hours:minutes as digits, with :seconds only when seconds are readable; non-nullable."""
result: 1:50
